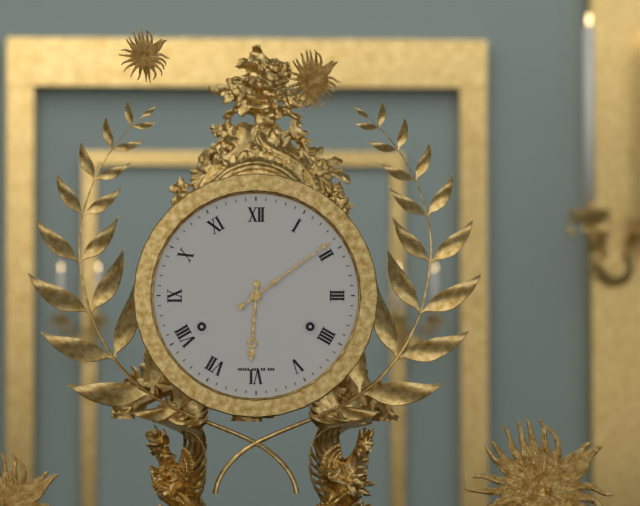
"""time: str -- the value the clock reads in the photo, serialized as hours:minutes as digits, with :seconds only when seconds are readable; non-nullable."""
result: 6:09
